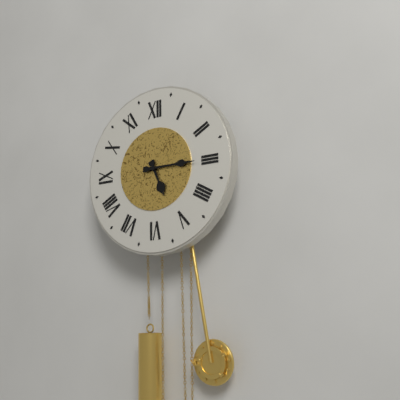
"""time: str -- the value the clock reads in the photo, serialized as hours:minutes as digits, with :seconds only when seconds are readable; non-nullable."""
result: 5:15
